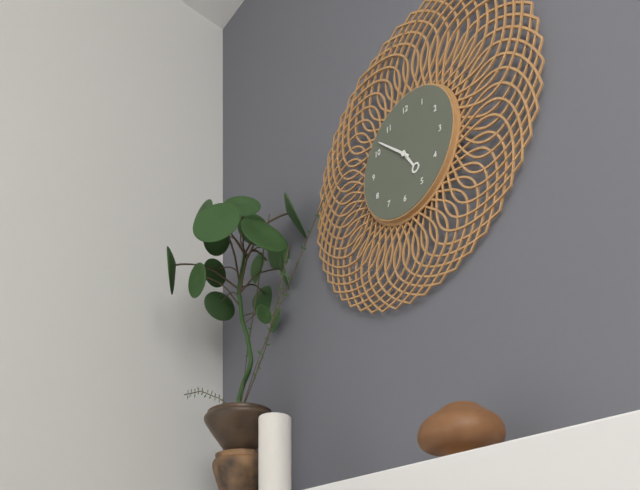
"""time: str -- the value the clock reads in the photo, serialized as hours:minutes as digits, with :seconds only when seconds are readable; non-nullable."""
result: 4:52
